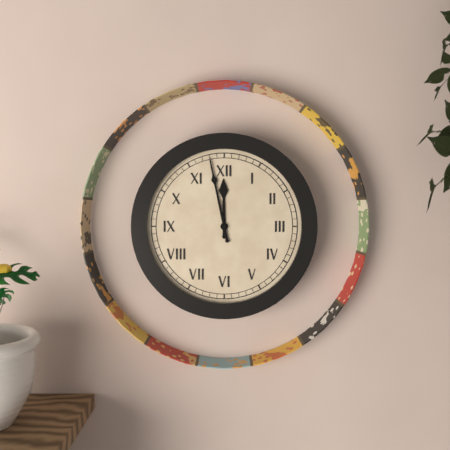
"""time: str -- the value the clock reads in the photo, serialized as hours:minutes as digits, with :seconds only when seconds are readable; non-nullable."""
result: 11:58
